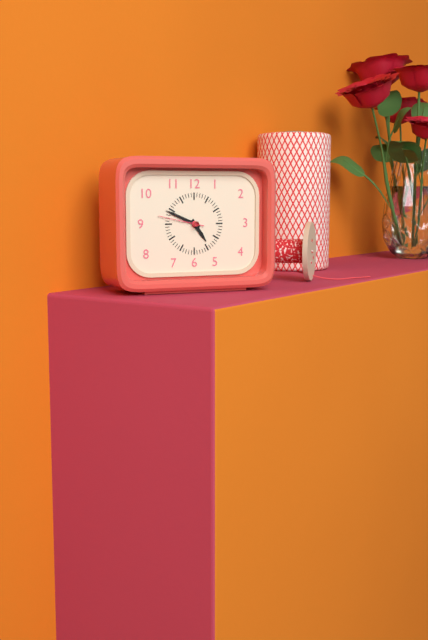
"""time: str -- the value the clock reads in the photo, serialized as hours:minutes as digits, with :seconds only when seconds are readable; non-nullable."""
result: 4:49
